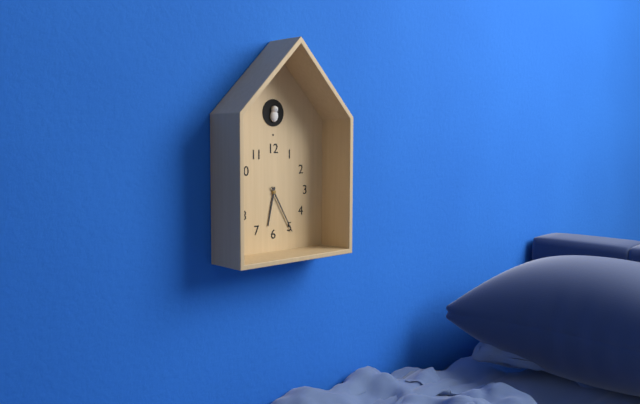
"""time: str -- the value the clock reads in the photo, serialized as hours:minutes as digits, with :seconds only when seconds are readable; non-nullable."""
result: 6:25
